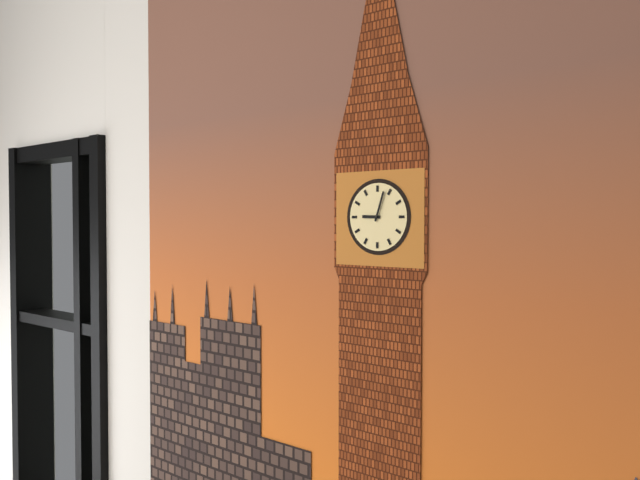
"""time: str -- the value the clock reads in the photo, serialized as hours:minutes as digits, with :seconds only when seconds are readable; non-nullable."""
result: 9:03
